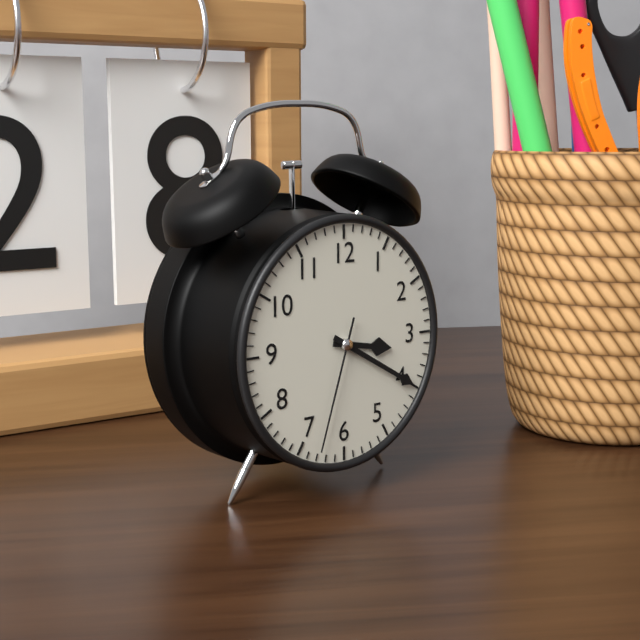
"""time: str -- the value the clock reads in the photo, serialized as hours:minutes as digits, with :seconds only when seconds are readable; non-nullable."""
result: 3:20:33
